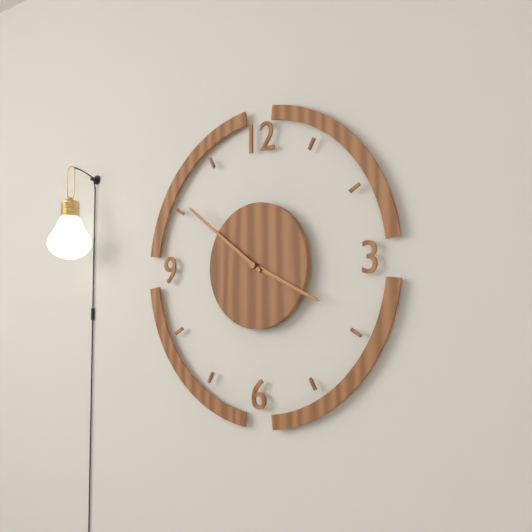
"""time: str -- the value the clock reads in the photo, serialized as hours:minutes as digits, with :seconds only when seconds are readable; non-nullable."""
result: 3:51
